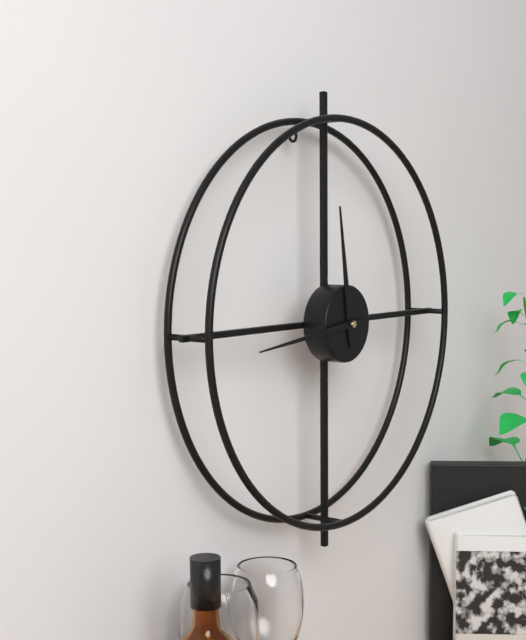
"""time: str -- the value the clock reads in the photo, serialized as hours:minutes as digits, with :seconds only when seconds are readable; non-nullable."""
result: 11:44
